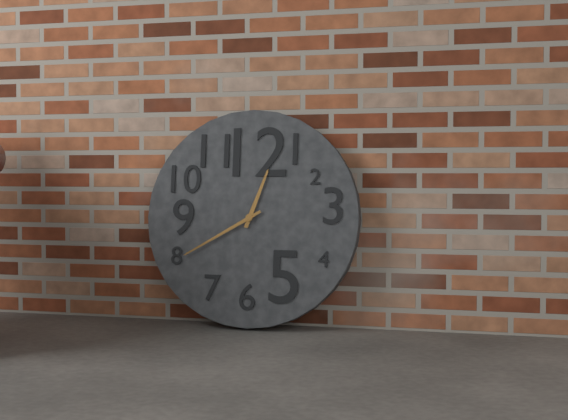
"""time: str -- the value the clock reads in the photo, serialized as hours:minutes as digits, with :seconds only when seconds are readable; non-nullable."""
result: 12:40
